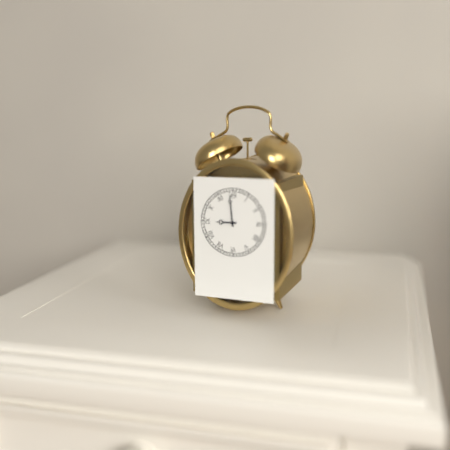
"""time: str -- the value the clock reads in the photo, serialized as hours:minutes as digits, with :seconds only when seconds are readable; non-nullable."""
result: 8:59
